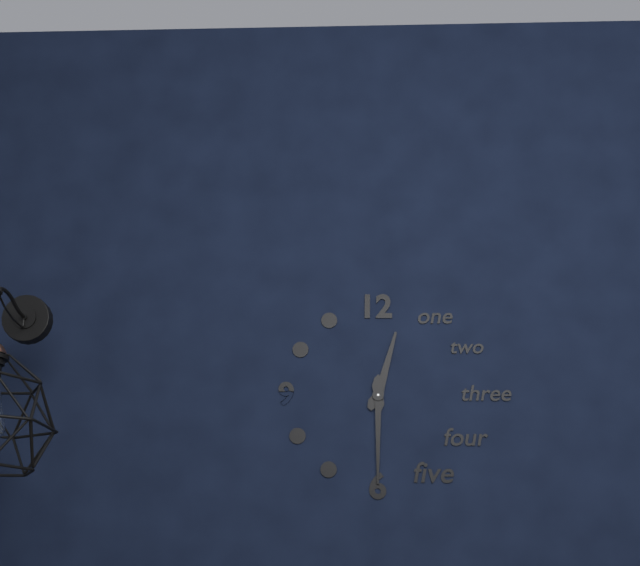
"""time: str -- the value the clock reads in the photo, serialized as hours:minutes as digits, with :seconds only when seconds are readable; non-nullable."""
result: 12:30
